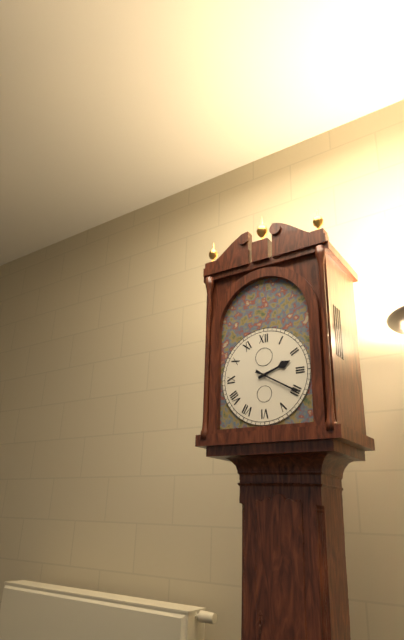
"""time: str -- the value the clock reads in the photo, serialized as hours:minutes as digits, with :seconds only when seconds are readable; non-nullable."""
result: 2:20
